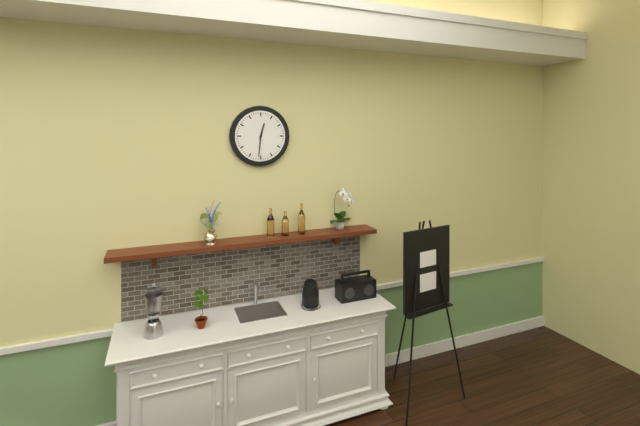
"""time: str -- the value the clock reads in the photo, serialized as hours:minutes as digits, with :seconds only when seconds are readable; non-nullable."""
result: 12:31
